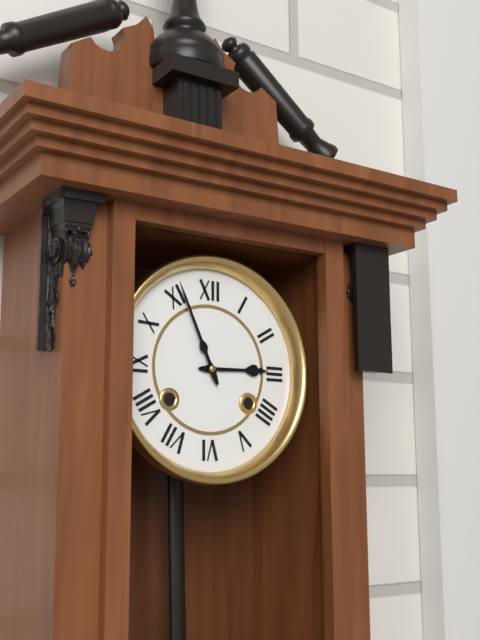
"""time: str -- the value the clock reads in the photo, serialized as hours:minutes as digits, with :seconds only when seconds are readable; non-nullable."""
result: 2:56
